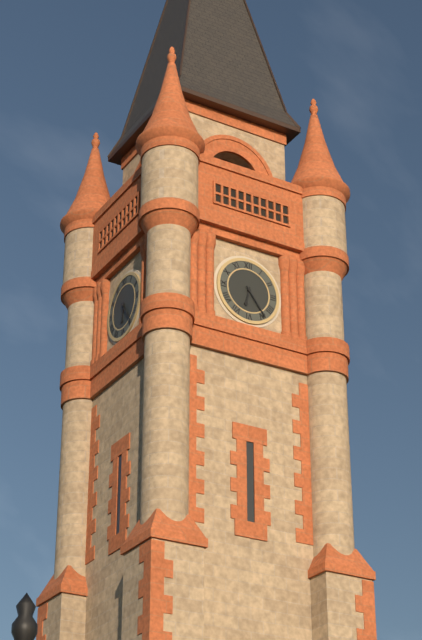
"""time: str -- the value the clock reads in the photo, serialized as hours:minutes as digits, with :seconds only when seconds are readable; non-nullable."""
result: 6:24
